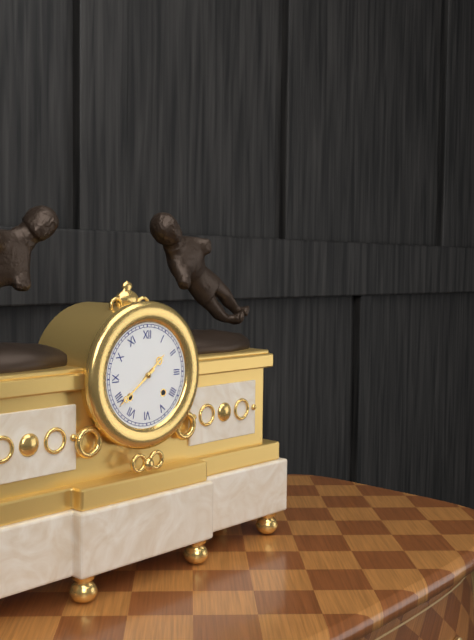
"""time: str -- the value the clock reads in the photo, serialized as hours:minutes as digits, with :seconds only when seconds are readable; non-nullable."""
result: 1:39
